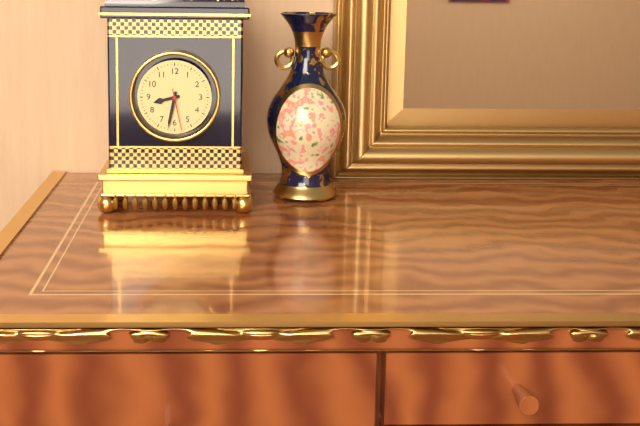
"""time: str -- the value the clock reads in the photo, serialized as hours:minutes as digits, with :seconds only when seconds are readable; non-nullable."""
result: 8:32
